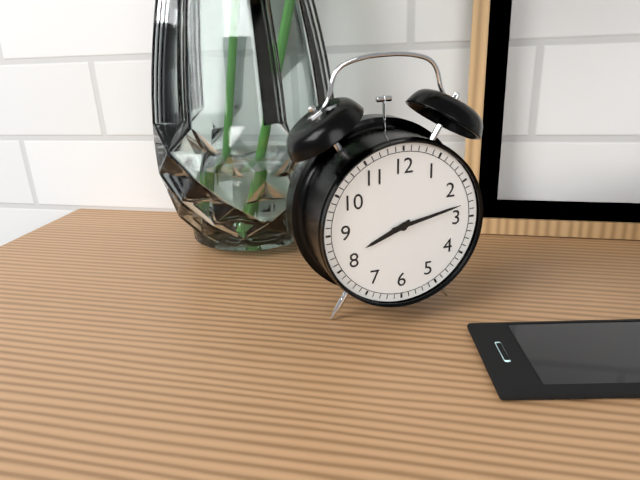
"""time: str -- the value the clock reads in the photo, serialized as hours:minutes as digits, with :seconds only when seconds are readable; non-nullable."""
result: 8:13
